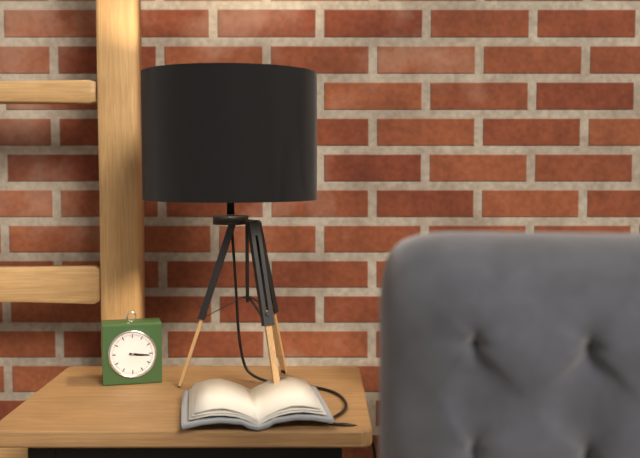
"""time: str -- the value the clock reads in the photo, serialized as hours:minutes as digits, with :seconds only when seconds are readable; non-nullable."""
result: 3:16
